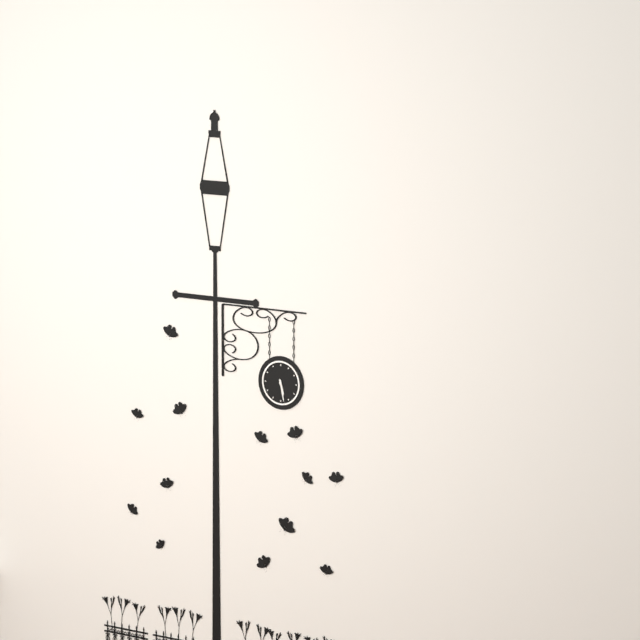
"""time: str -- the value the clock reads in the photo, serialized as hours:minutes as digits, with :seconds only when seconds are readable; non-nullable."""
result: 5:28
